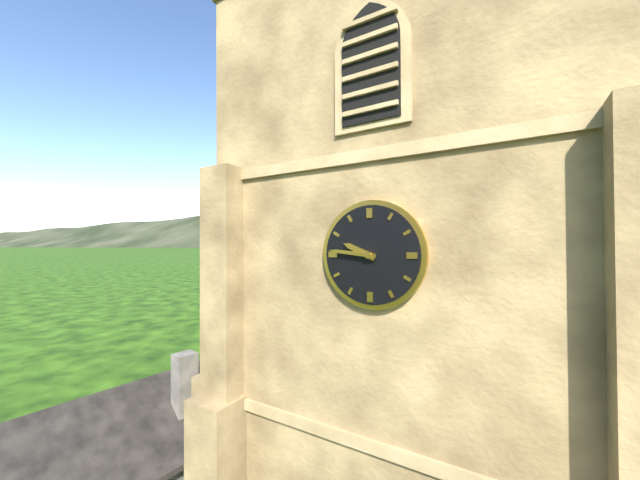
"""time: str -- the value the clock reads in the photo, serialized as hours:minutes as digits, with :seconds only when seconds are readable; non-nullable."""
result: 9:46
